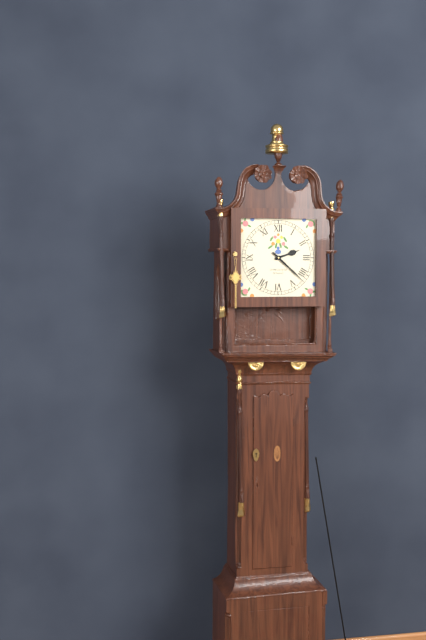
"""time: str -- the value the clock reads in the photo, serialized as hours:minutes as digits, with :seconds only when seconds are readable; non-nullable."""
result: 2:22
